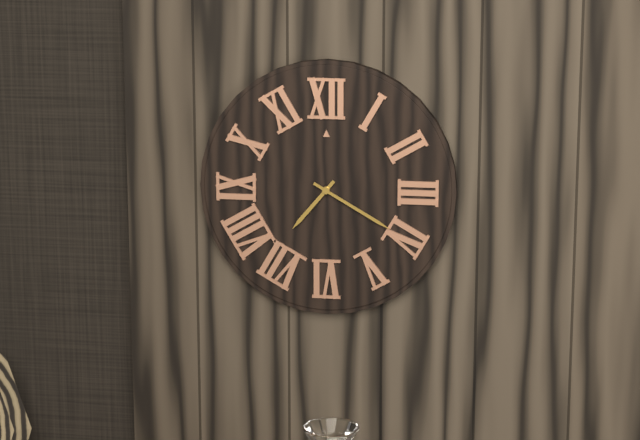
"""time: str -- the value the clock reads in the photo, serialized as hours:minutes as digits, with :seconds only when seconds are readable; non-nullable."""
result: 7:20
